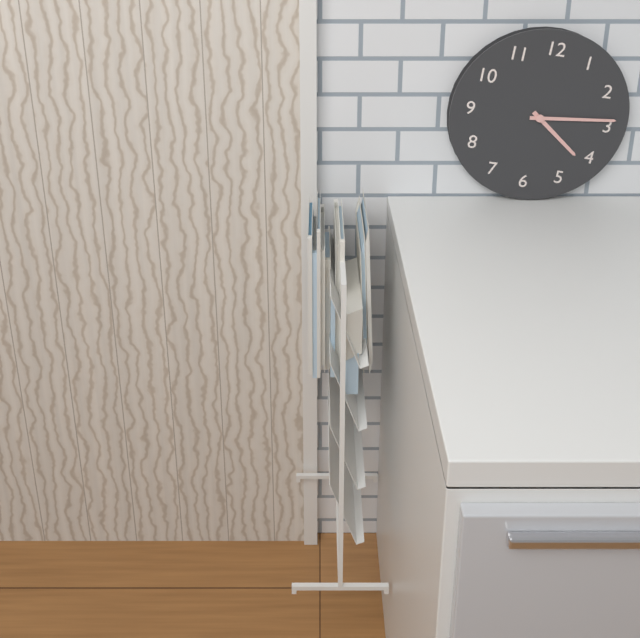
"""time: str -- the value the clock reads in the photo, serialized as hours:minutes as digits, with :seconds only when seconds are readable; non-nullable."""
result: 4:14
